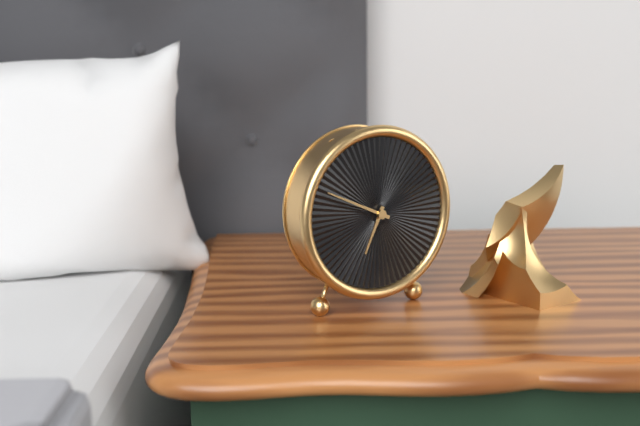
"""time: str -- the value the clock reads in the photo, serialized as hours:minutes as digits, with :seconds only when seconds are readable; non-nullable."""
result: 6:49
